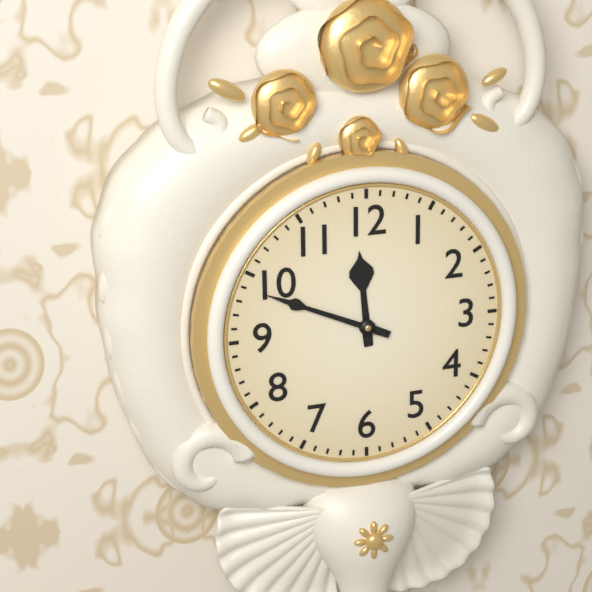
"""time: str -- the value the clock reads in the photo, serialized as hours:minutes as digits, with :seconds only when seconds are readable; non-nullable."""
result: 11:49
